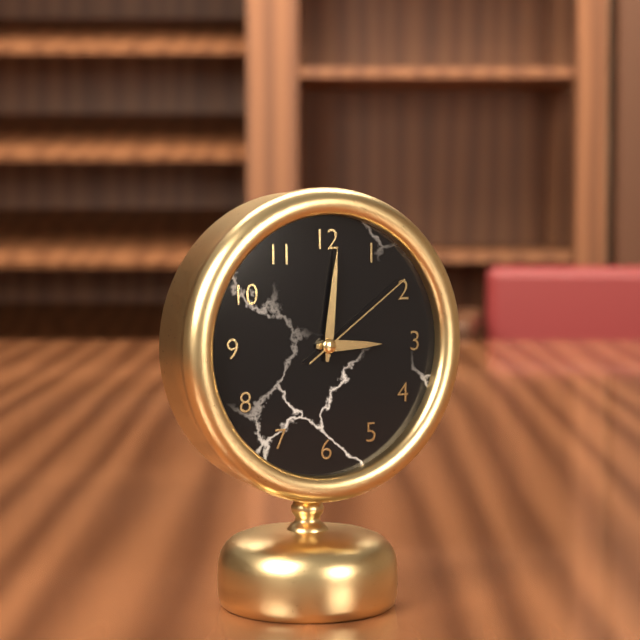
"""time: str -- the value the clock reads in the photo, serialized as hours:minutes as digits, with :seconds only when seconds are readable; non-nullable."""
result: 3:01:09
